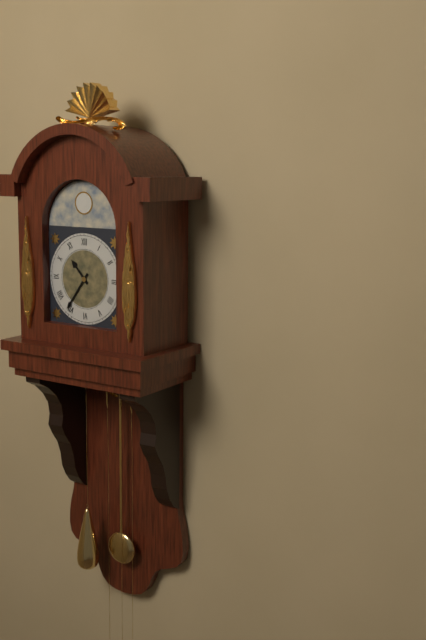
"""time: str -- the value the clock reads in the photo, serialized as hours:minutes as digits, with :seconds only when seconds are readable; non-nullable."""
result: 10:36
